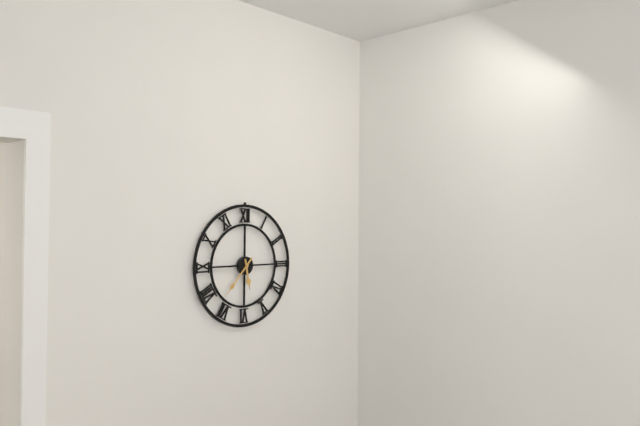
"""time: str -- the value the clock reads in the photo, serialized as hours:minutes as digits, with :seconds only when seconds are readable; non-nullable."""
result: 5:37
